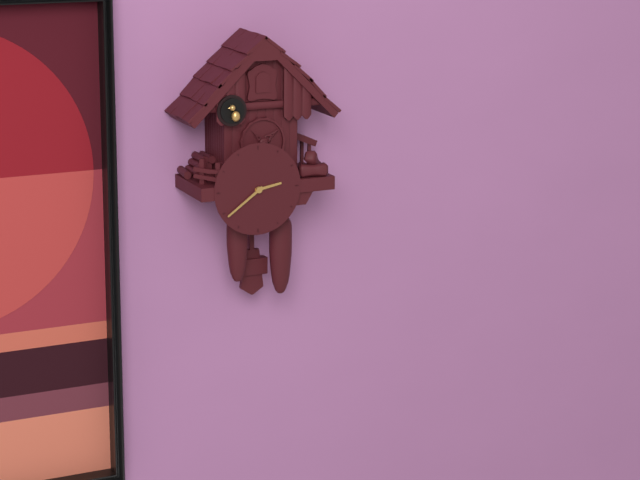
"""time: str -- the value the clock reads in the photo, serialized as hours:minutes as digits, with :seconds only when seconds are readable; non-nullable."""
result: 2:39
